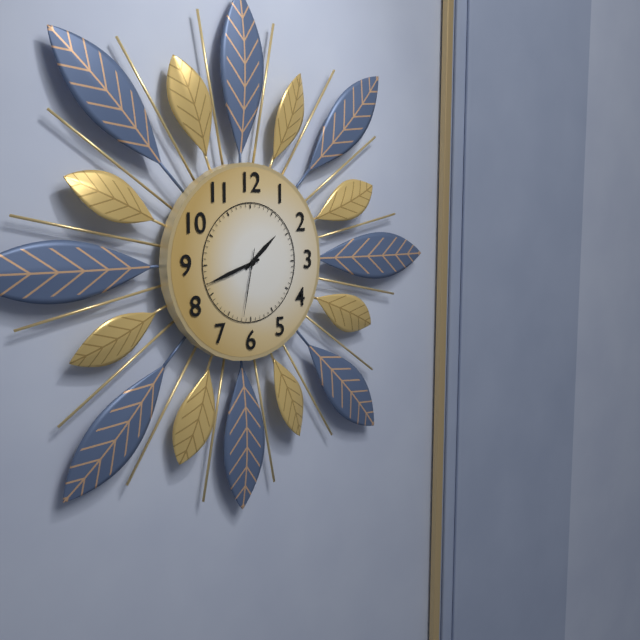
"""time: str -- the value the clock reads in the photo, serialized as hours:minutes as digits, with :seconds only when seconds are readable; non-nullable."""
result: 1:42:32
